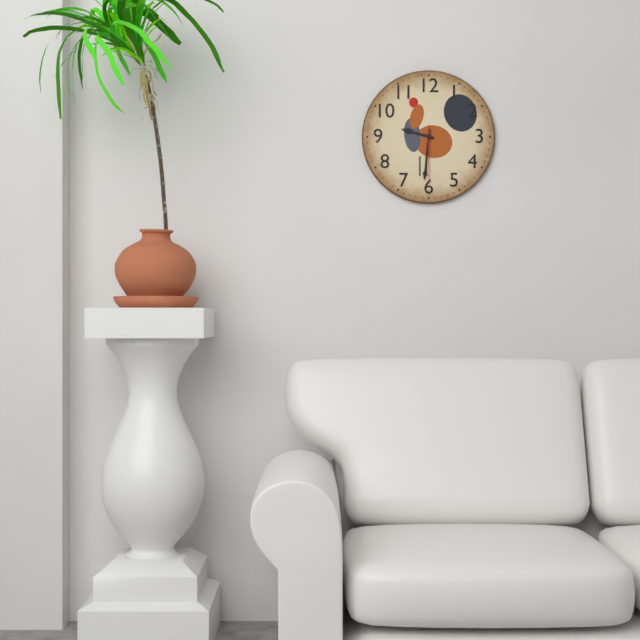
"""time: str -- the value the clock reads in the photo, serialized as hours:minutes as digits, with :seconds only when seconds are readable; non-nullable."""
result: 9:31:30
